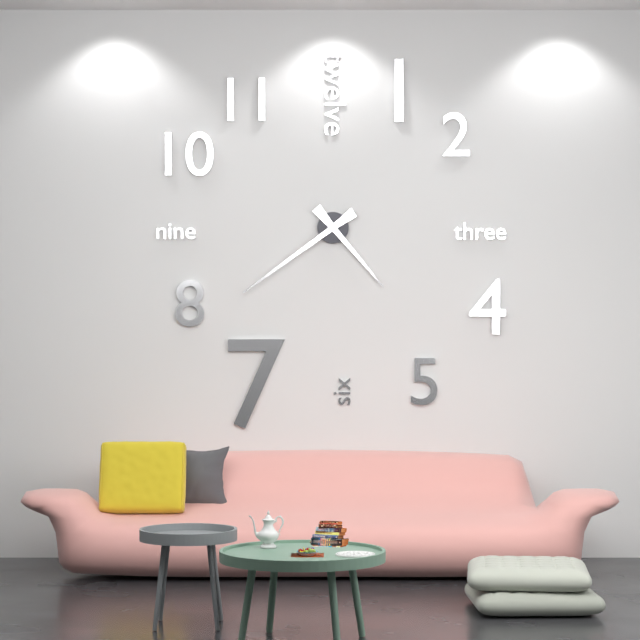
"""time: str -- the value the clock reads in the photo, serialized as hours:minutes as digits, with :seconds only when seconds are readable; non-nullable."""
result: 4:39
